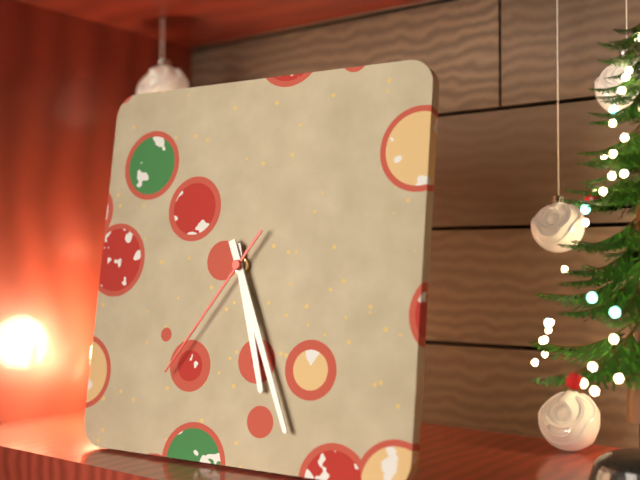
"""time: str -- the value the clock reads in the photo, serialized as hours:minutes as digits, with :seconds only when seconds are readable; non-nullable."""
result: 5:26:36
